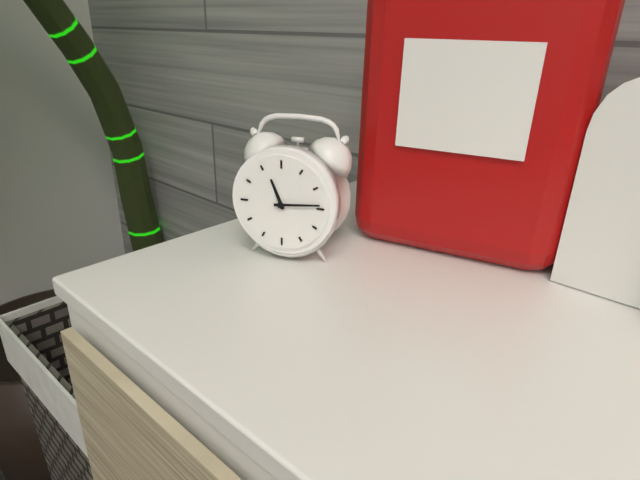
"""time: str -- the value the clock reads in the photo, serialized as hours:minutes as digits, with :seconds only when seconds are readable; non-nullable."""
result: 11:14
